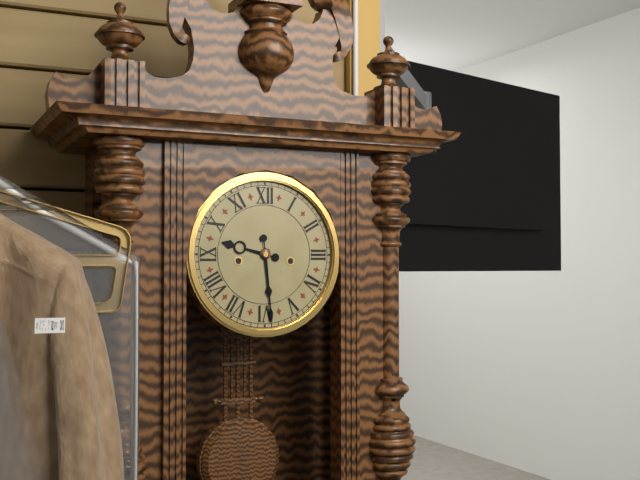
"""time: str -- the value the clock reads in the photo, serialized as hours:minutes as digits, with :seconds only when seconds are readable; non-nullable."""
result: 9:29
